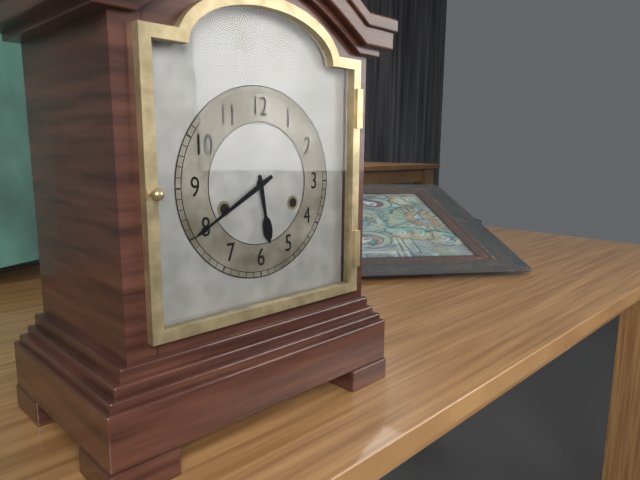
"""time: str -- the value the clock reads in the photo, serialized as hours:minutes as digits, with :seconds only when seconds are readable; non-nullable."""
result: 5:40
